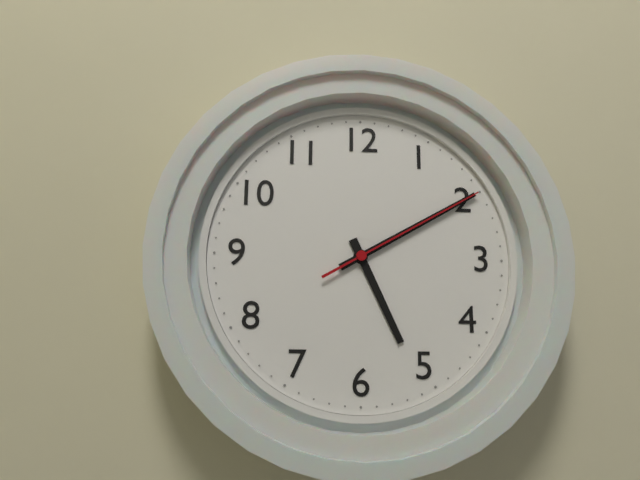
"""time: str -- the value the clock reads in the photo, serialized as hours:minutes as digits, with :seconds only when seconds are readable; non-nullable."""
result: 5:10:10
